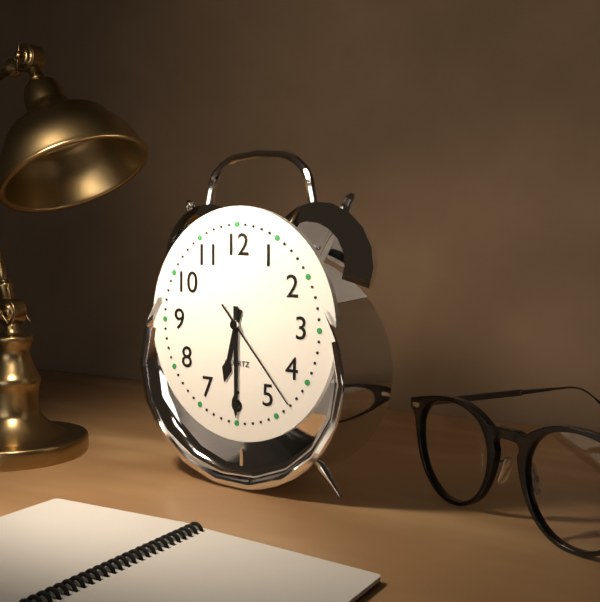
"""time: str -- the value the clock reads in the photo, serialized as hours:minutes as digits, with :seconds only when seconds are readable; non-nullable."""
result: 6:30:23
